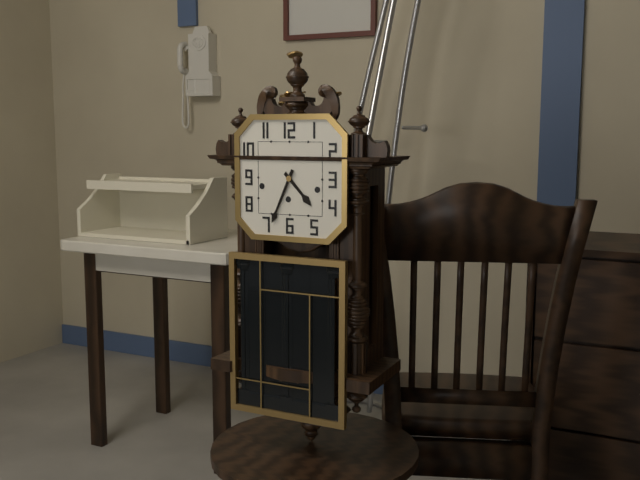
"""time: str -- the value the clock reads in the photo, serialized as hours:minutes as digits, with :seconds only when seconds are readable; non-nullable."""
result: 4:34
